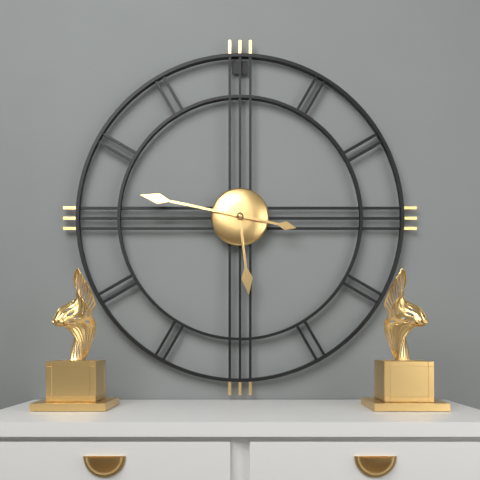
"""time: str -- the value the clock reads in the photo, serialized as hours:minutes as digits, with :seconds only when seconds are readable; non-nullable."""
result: 5:47
